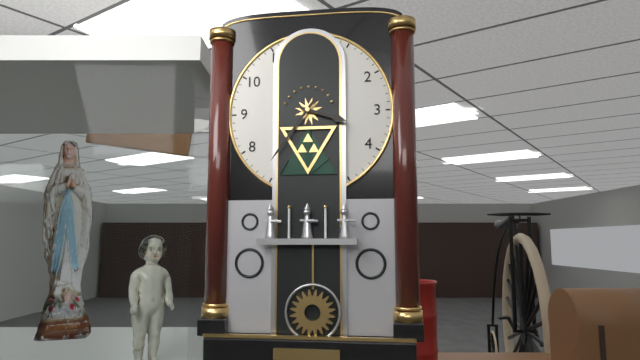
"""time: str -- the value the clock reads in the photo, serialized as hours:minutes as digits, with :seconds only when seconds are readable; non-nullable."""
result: 3:36
